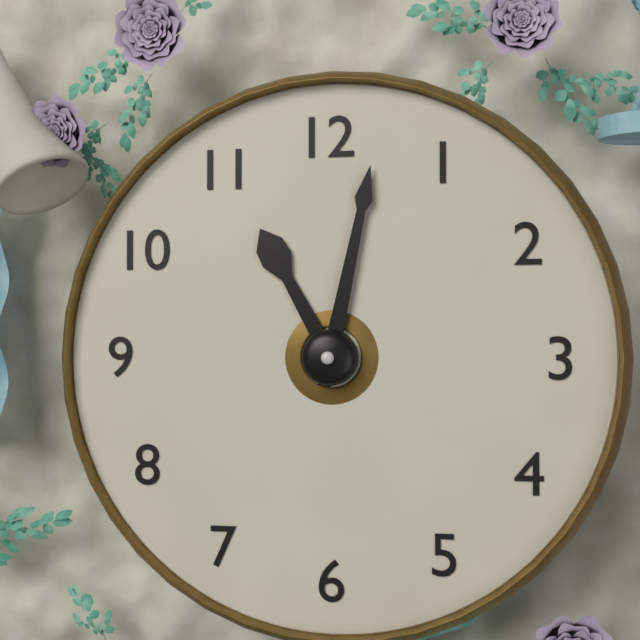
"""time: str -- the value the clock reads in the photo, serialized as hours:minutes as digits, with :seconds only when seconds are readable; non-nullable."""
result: 11:02
